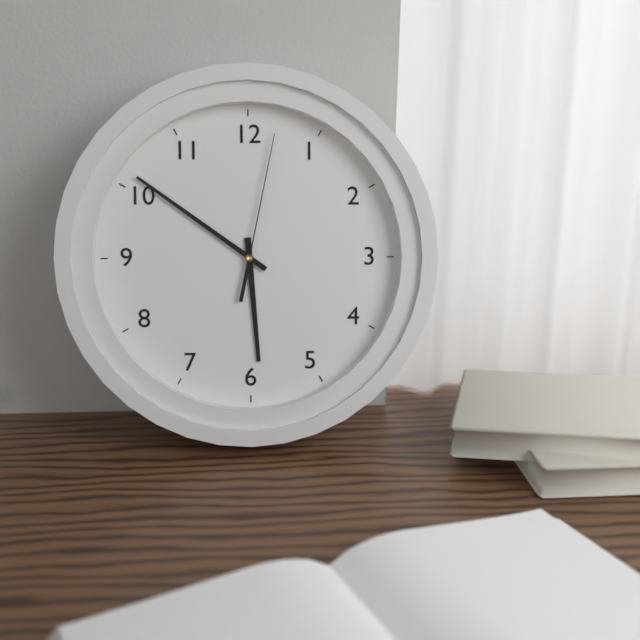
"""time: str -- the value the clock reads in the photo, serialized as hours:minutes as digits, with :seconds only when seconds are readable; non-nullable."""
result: 5:51:02
